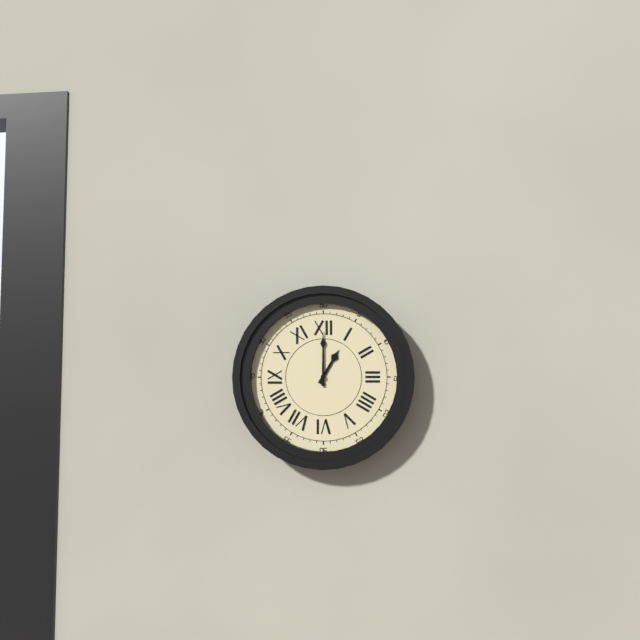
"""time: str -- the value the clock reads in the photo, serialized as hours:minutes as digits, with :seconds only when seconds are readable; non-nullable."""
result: 1:00
